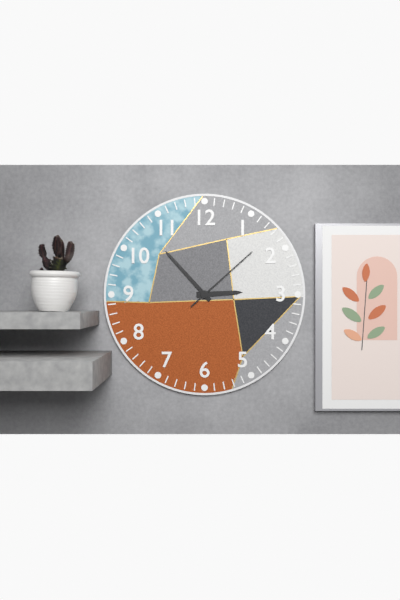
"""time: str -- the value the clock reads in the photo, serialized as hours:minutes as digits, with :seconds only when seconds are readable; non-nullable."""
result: 2:53:08
